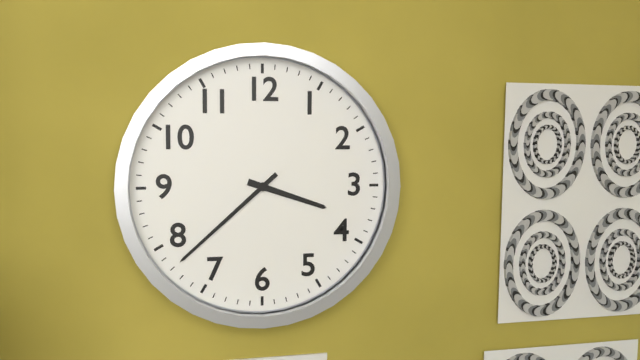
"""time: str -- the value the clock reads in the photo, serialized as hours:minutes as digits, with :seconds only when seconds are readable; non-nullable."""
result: 3:38
